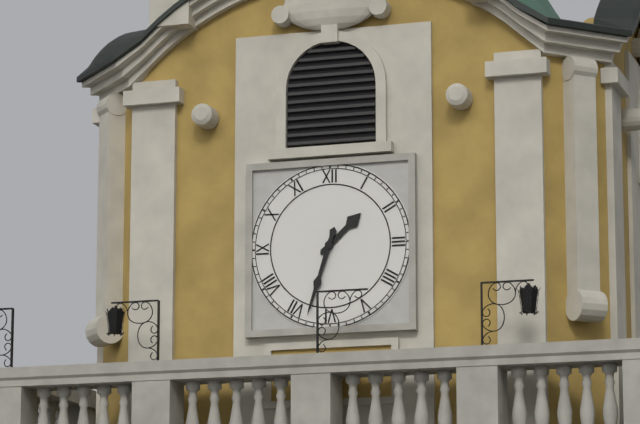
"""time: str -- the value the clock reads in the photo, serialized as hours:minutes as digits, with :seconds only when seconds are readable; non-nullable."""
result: 1:33
